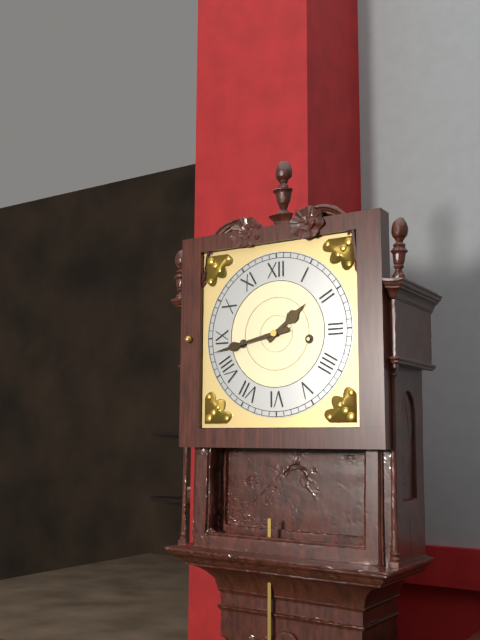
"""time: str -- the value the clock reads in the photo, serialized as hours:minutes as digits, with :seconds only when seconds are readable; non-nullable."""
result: 1:43
